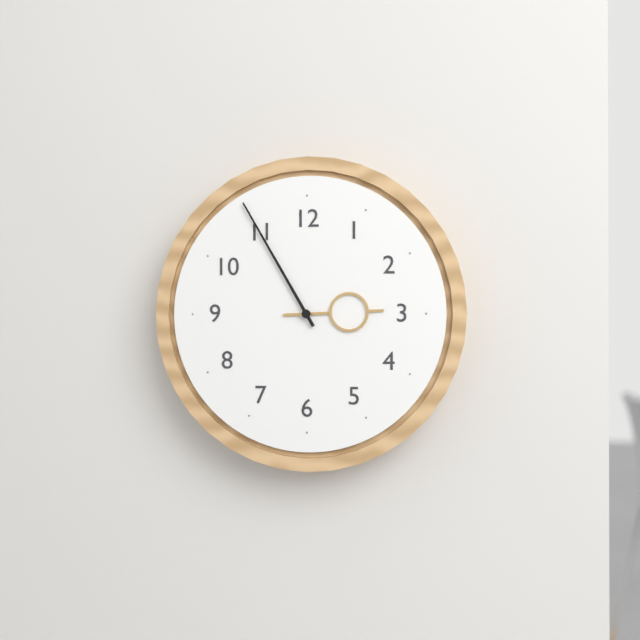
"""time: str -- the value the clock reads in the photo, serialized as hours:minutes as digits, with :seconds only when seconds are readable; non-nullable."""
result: 2:55
